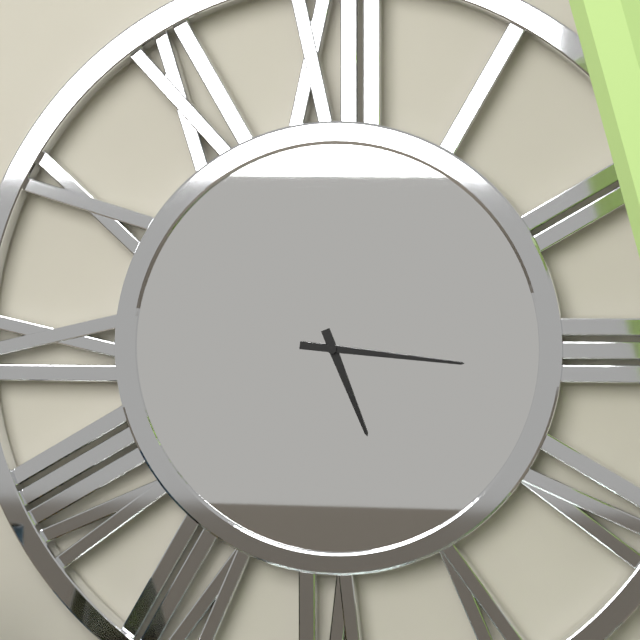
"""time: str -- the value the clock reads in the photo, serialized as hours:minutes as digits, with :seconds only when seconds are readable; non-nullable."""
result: 5:16
